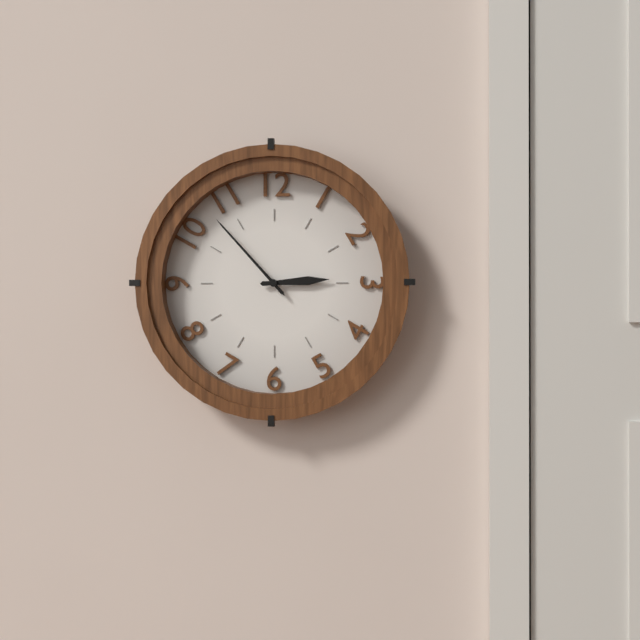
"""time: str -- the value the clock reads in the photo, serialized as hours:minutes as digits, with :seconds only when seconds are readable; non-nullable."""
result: 2:53
